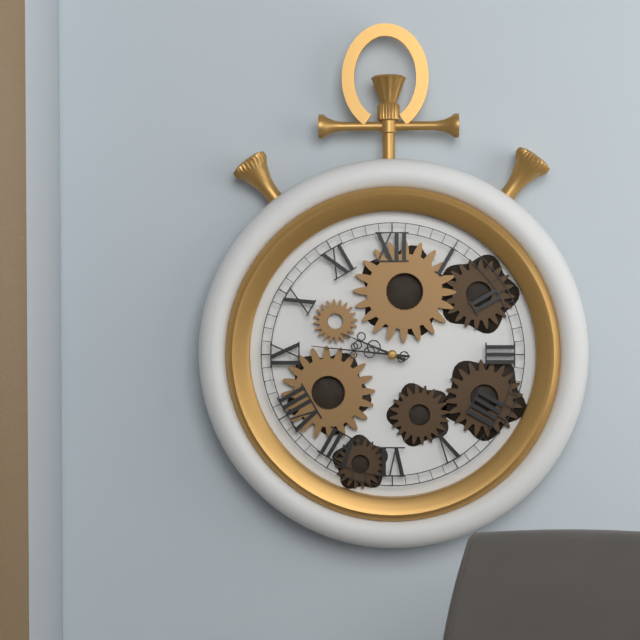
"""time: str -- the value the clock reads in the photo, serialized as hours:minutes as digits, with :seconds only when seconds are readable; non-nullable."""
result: 9:46
